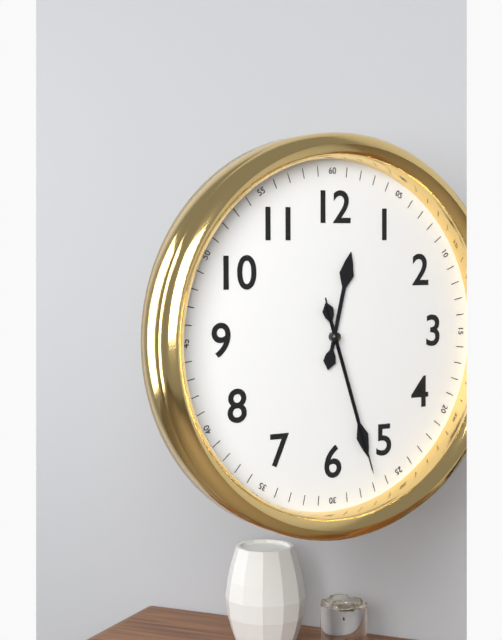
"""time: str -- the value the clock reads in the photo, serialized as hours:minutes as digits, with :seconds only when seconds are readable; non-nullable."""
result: 12:27:27
